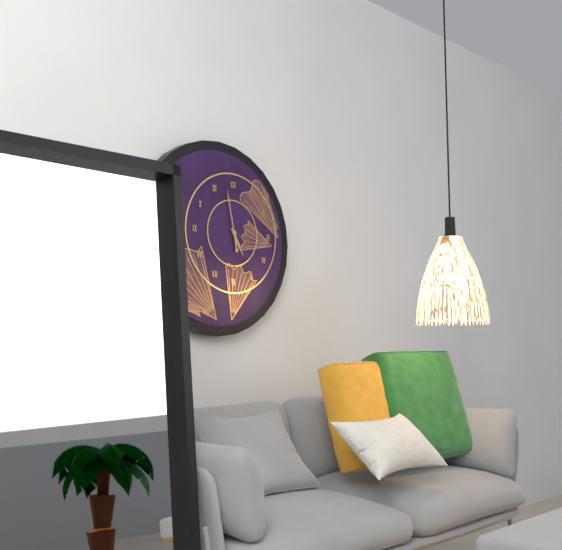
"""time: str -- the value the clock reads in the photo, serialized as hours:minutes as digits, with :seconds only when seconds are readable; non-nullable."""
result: 4:58
